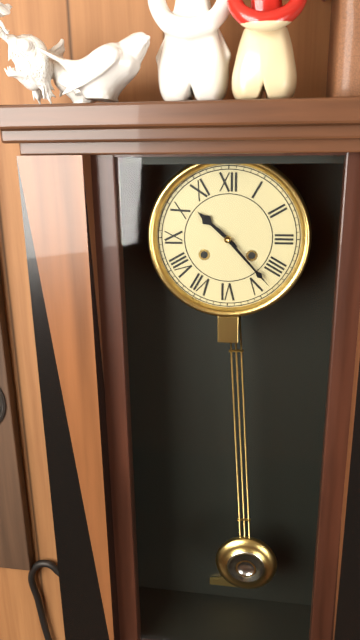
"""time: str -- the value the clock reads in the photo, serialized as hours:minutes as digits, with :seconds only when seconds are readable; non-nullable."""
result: 10:23
